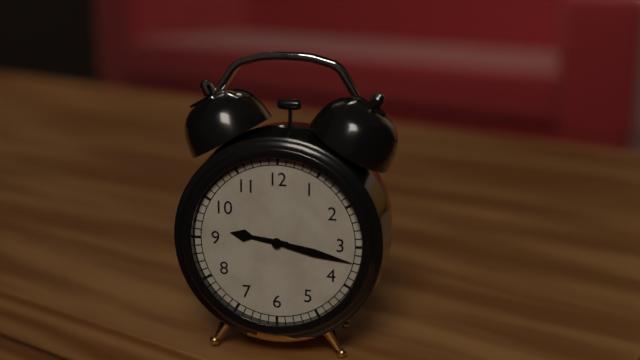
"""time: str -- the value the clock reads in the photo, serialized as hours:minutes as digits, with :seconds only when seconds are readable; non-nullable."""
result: 9:17
